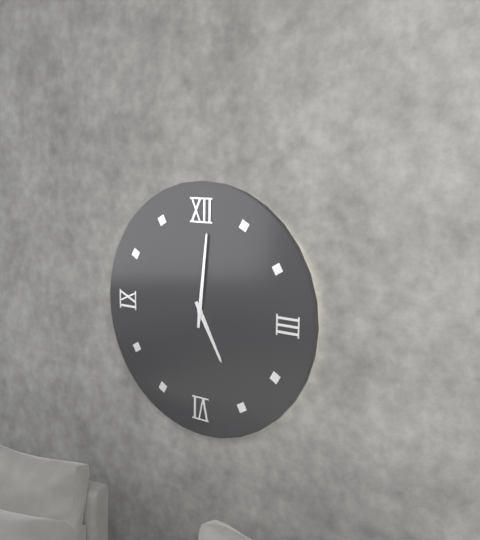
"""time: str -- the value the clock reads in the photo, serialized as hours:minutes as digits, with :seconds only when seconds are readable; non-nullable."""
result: 5:01
